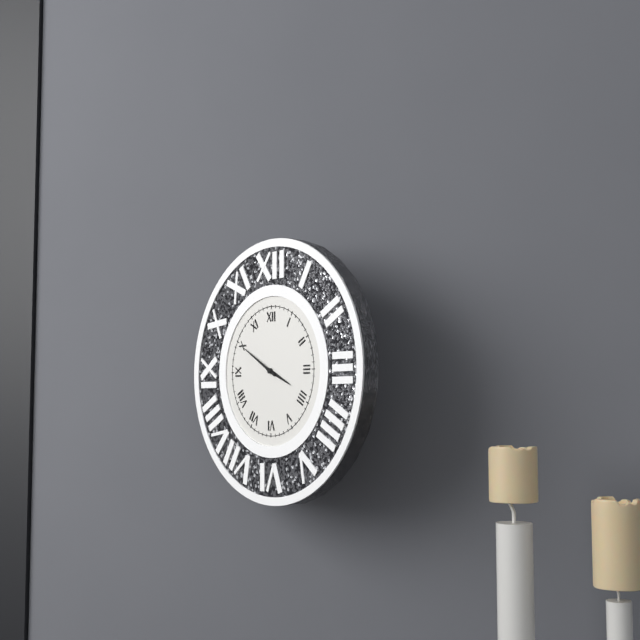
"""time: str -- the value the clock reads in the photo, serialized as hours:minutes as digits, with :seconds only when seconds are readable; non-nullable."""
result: 3:50
